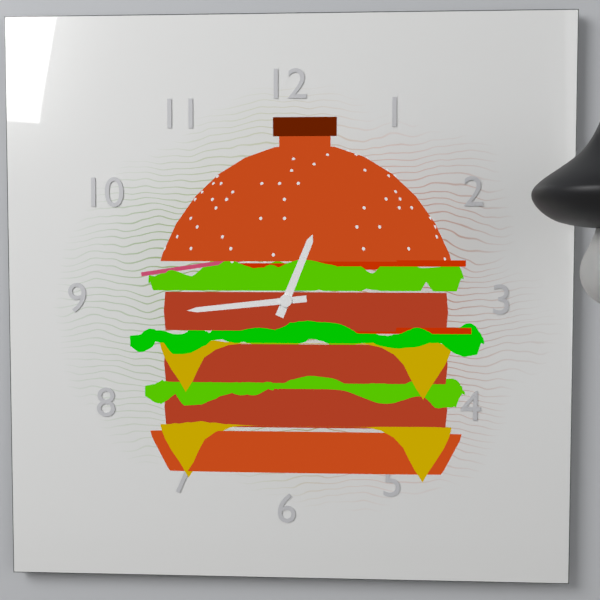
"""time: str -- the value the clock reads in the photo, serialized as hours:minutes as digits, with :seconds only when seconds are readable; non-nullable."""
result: 12:44
